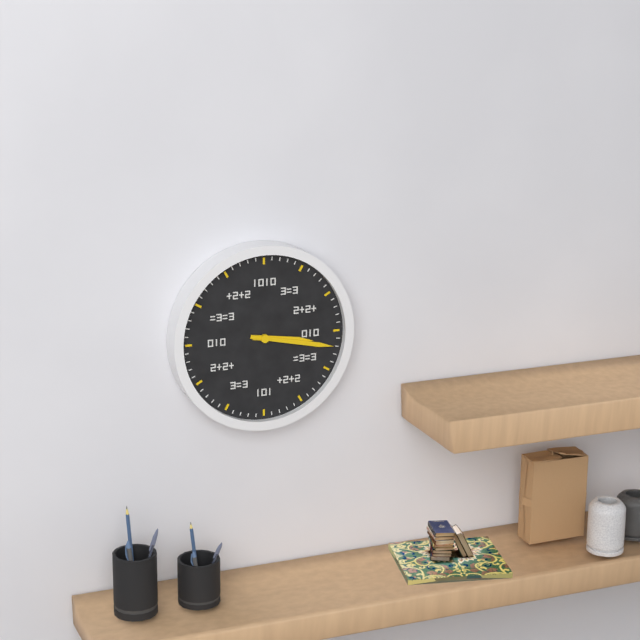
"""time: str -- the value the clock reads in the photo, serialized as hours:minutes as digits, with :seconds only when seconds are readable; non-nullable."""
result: 3:17
